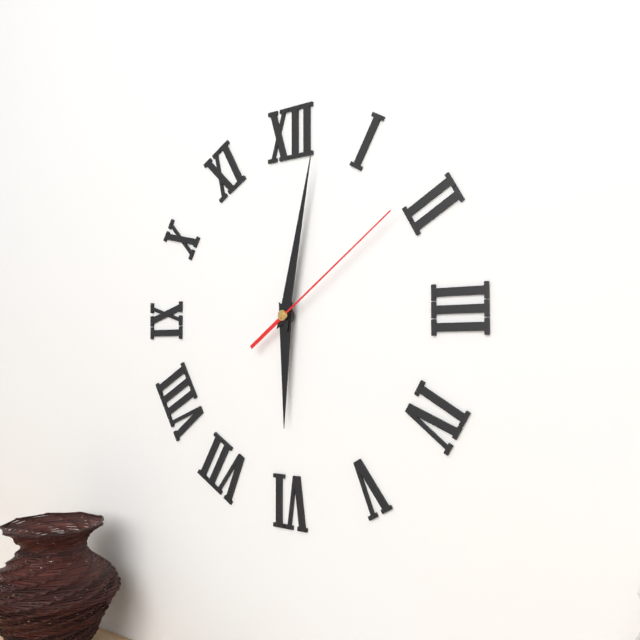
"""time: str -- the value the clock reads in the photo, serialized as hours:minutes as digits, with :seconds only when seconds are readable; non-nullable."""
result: 6:02:09
